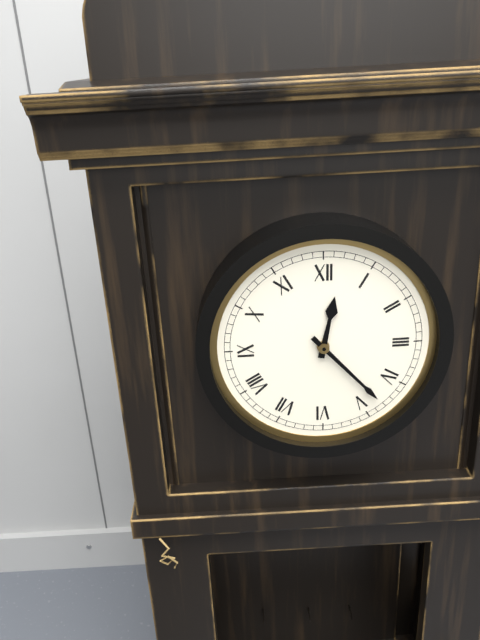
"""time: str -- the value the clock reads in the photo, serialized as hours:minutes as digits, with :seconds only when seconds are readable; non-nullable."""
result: 12:23
